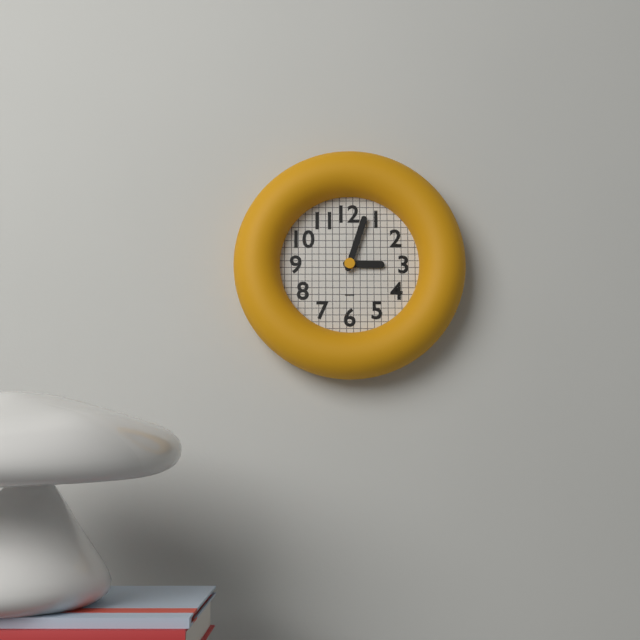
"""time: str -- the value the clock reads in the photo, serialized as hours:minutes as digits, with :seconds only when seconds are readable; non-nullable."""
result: 3:03
